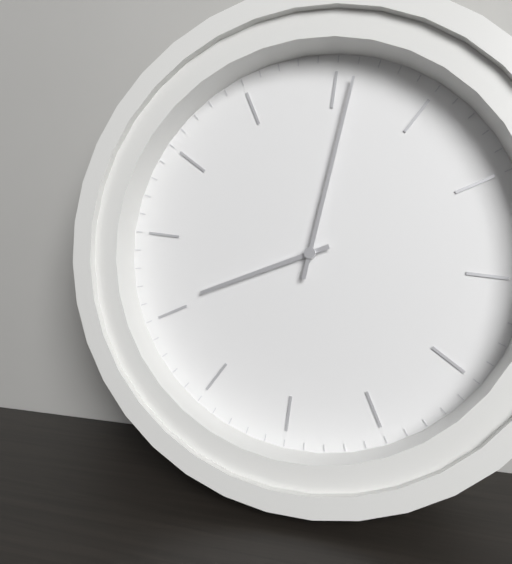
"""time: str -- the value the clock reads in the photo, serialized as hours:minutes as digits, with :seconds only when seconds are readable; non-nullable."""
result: 9:06
